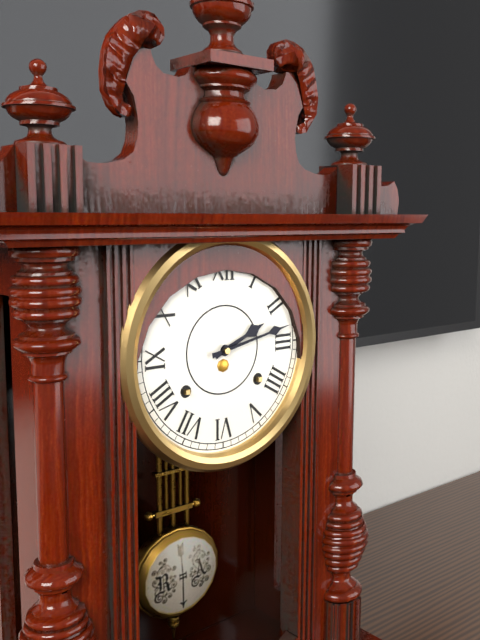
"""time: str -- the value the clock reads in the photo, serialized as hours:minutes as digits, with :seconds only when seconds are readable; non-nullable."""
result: 2:13
